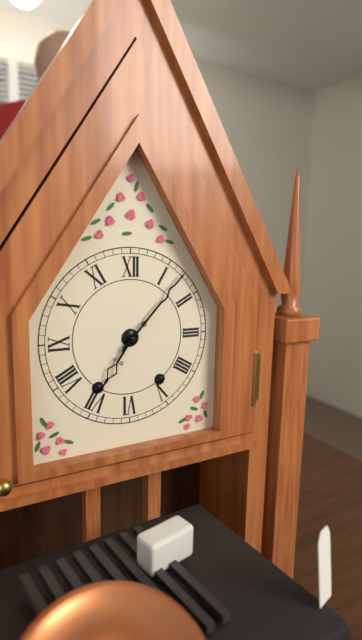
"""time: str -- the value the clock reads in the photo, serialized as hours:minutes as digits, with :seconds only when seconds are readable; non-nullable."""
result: 7:07
